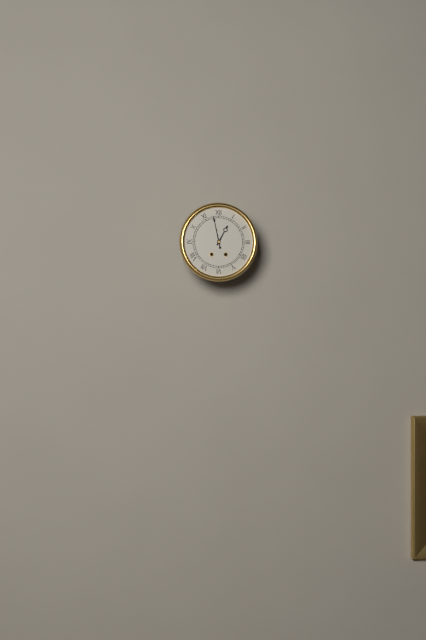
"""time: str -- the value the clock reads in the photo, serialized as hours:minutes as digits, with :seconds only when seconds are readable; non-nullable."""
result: 12:58
